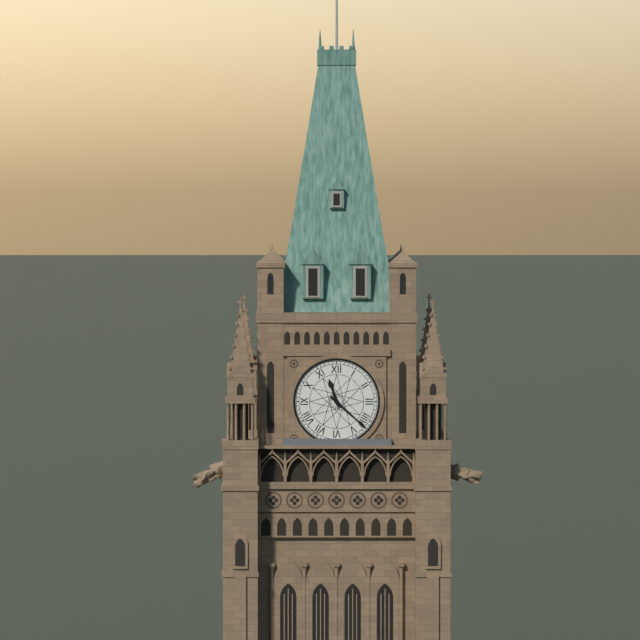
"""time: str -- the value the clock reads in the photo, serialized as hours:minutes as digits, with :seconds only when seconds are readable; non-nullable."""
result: 11:22
